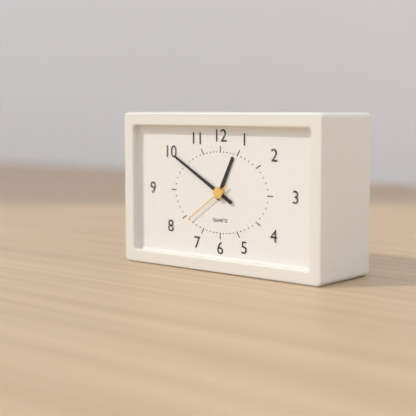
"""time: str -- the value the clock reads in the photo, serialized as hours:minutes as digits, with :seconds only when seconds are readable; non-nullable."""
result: 12:50
